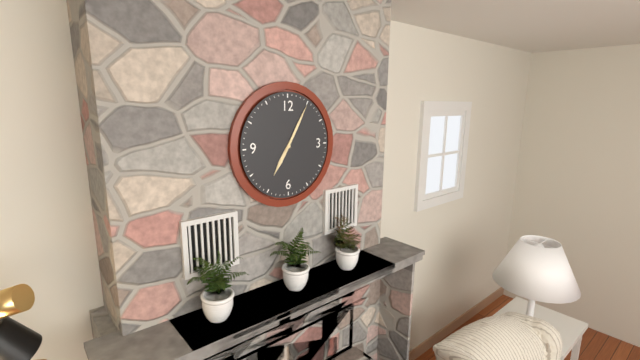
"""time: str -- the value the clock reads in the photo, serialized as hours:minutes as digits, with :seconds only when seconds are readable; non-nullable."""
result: 7:05
